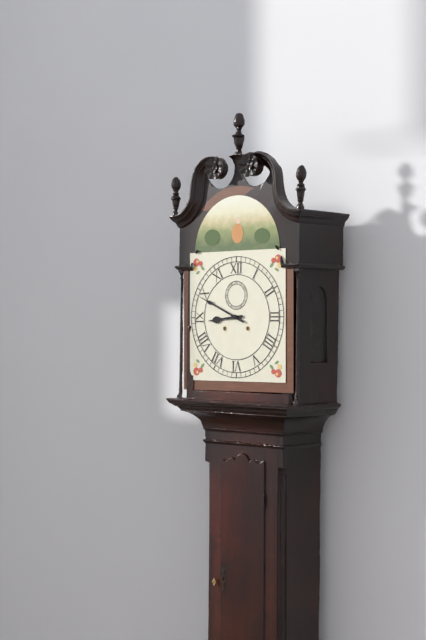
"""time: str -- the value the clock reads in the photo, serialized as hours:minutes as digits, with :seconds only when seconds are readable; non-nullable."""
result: 8:49
